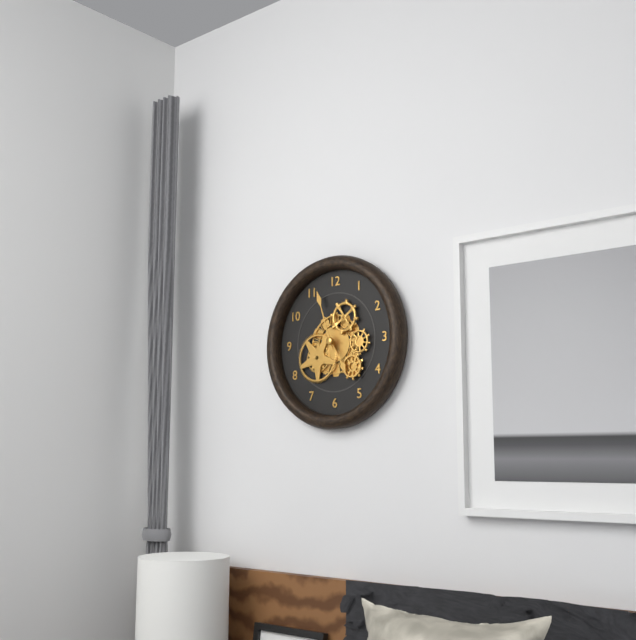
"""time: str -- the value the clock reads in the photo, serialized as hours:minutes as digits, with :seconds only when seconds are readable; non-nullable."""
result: 4:57
